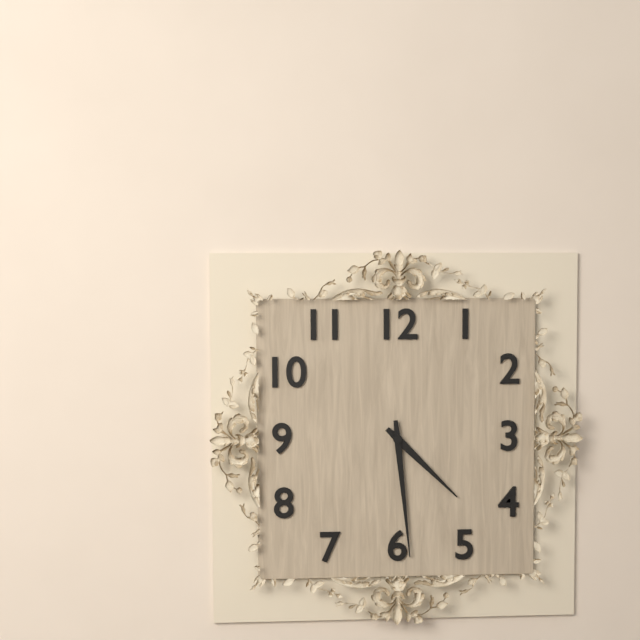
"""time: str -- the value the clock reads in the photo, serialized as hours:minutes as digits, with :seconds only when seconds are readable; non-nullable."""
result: 4:29
